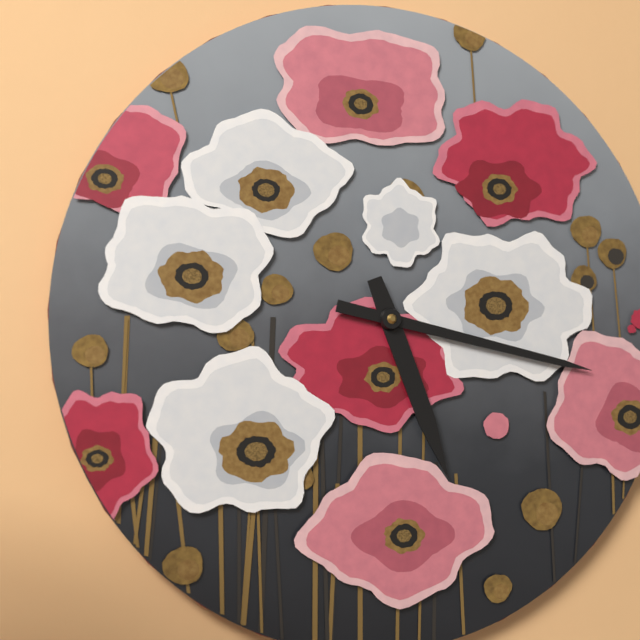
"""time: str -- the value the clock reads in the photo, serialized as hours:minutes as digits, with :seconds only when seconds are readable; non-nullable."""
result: 5:17
